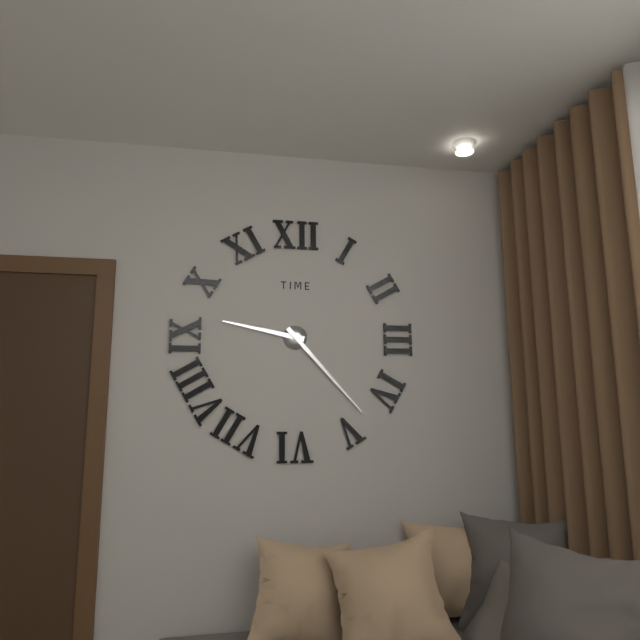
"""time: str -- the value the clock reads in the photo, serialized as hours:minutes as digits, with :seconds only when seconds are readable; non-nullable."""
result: 9:23
